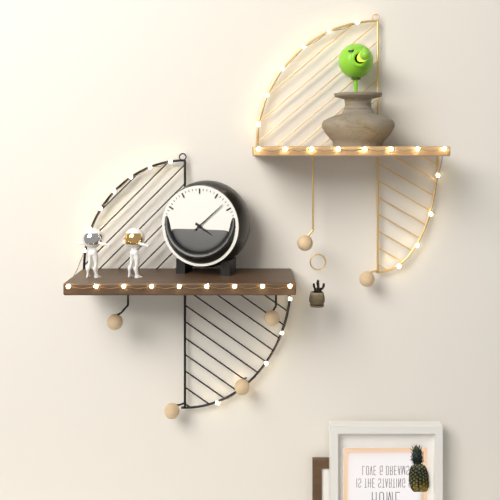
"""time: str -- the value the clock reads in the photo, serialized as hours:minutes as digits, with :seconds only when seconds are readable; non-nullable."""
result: 4:08
